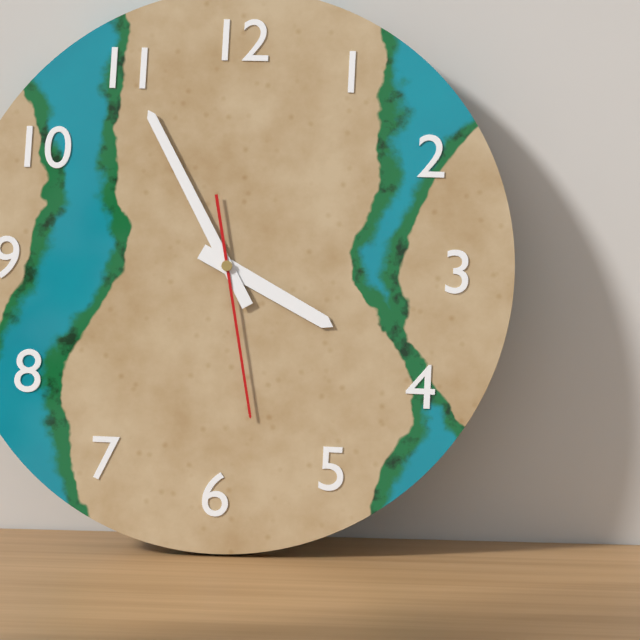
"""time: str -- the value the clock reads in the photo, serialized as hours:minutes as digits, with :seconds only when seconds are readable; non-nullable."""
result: 3:55:28
